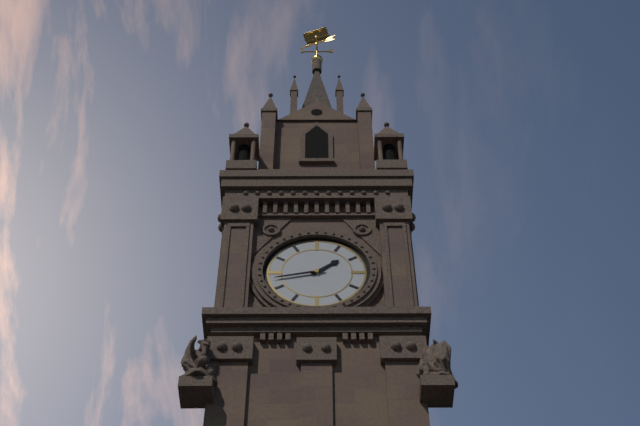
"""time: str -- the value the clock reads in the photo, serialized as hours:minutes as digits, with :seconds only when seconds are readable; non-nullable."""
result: 1:43
